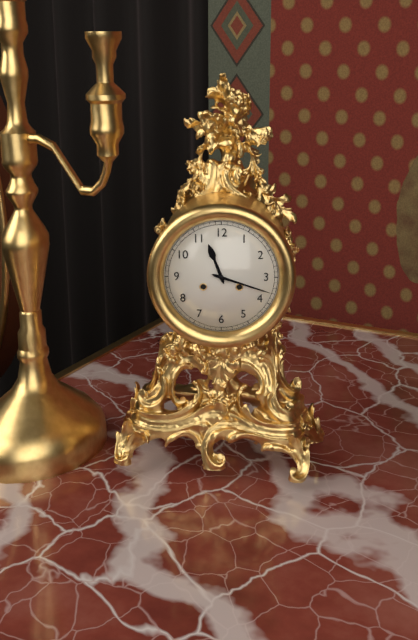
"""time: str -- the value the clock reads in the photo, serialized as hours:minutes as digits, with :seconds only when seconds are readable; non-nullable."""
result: 11:18
